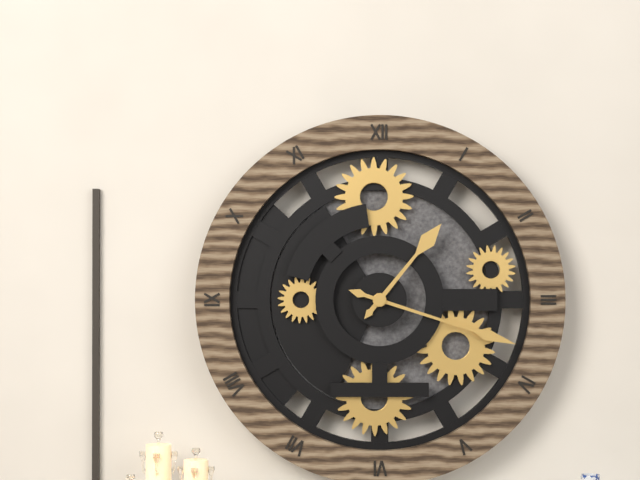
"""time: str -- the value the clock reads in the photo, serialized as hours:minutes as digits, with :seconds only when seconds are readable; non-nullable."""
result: 1:18
